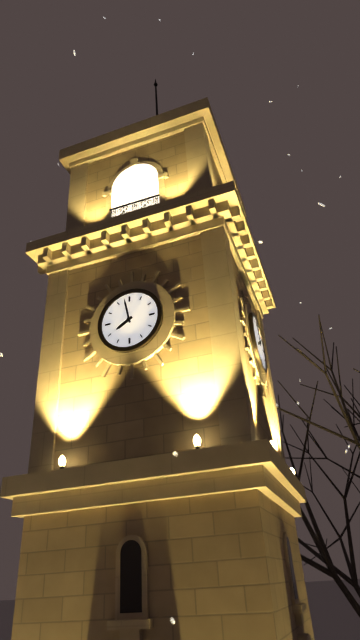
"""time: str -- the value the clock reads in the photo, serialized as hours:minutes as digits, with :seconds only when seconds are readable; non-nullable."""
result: 7:58
